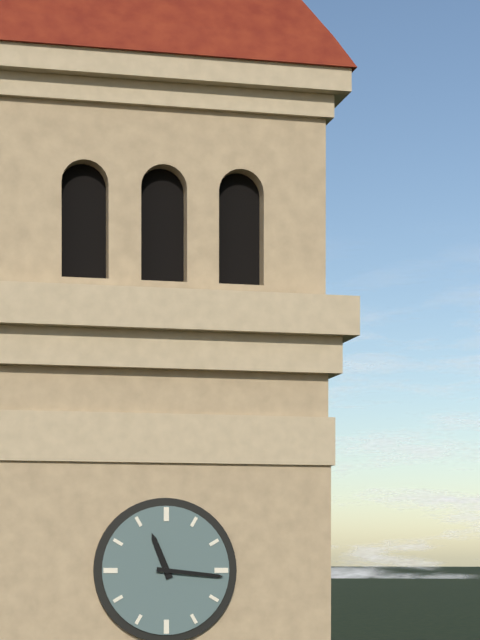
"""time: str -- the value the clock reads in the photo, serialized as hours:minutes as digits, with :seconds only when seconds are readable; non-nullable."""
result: 11:16
